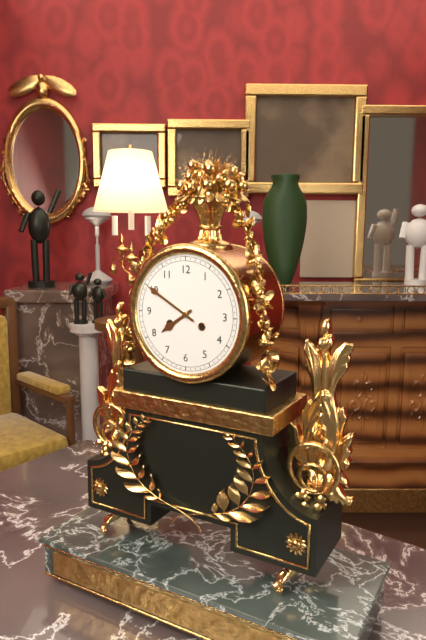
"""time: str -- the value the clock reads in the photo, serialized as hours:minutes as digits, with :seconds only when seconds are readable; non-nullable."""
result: 7:50
